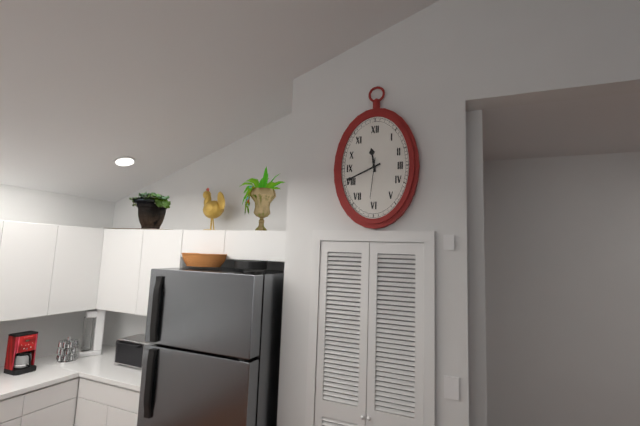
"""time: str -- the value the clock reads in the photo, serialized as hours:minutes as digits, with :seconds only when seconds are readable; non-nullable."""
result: 11:41
